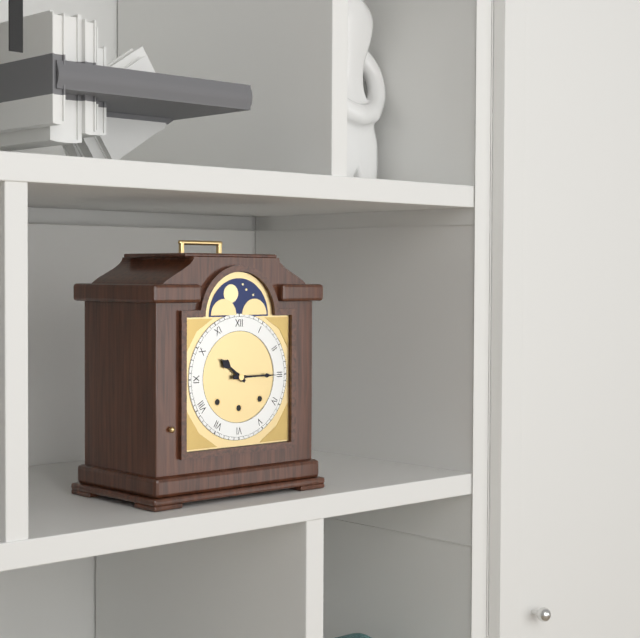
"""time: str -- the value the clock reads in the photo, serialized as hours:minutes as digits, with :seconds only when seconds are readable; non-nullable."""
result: 10:15
